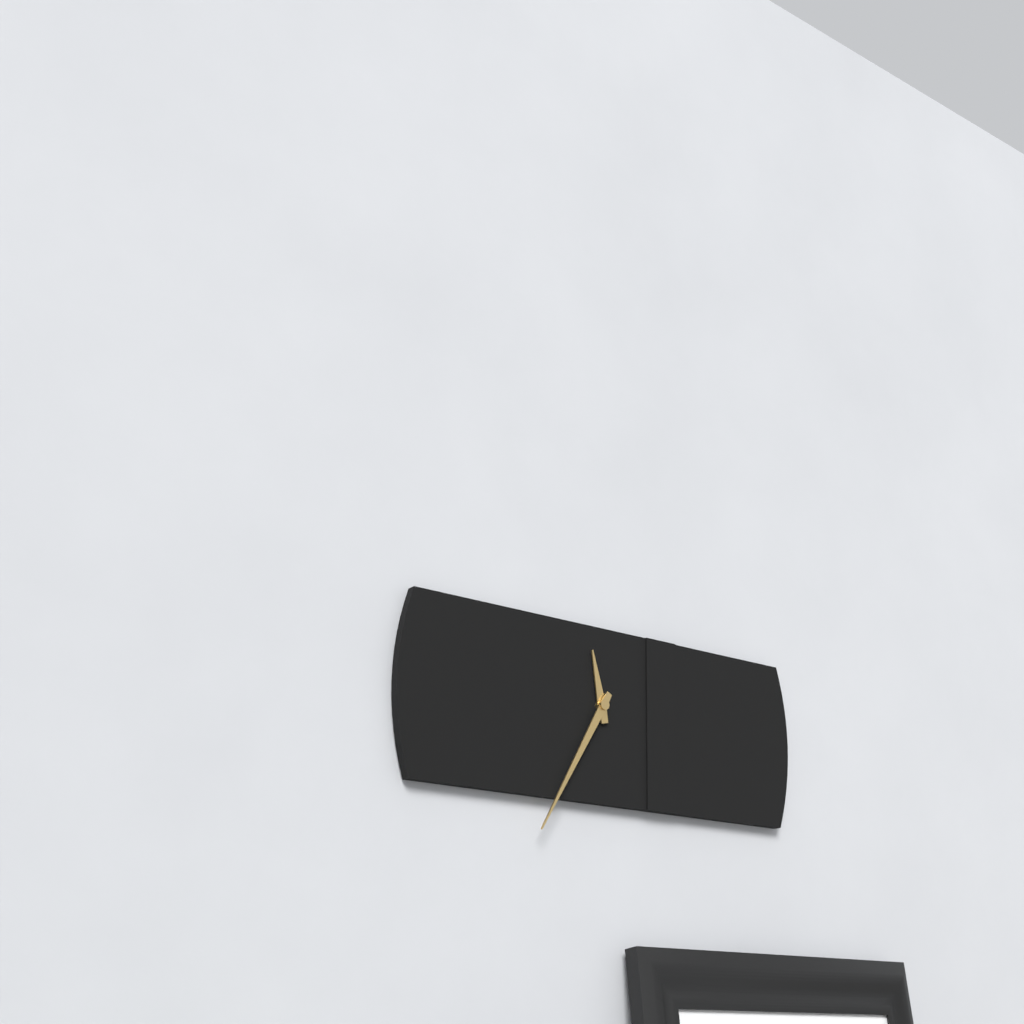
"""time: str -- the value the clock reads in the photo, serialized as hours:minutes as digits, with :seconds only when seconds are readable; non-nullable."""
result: 11:35
